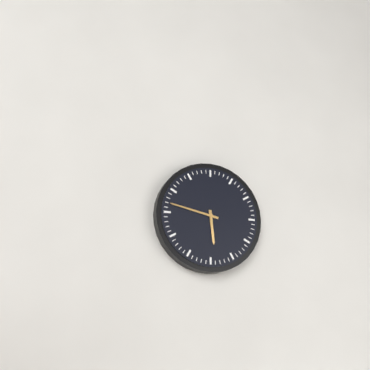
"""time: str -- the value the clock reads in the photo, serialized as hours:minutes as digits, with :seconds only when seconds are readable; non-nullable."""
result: 5:47
